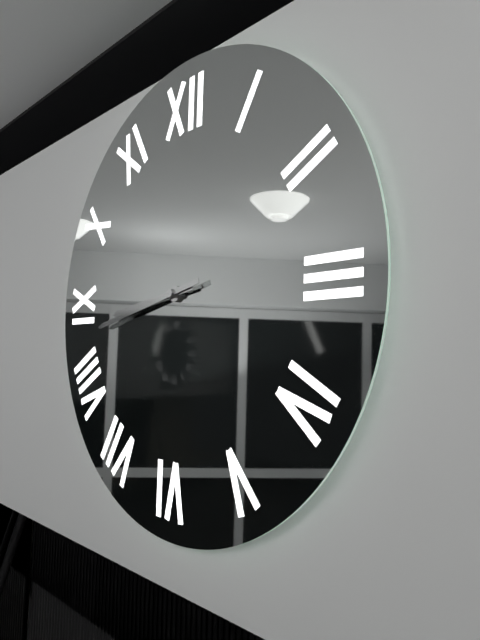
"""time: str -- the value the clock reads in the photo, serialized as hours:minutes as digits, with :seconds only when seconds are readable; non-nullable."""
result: 8:43
